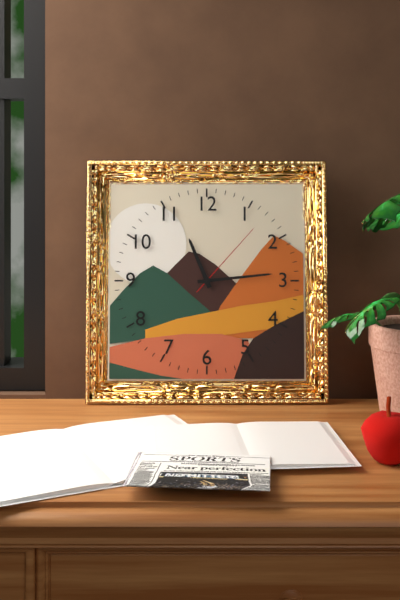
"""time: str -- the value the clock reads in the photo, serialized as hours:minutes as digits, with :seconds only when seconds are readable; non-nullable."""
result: 11:14:07
